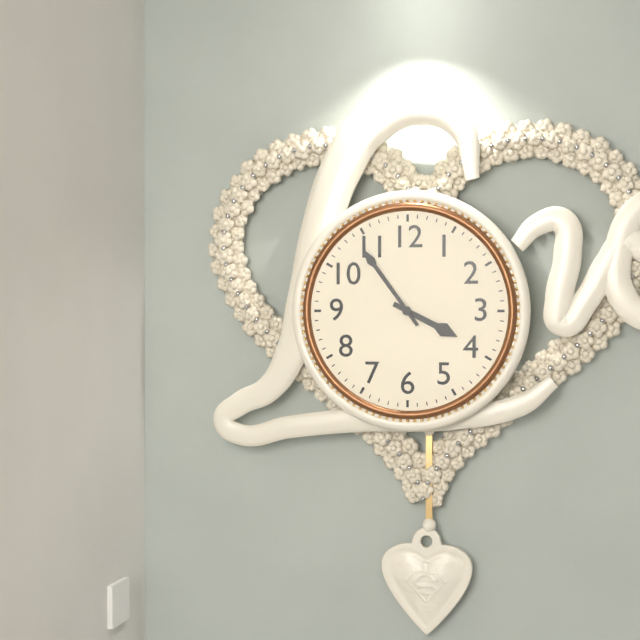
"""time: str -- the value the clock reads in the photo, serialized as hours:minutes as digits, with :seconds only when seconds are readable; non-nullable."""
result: 3:54
